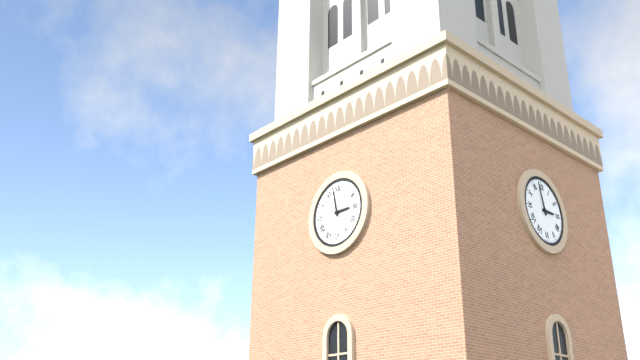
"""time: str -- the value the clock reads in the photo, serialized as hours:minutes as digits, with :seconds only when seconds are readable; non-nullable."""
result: 2:58
